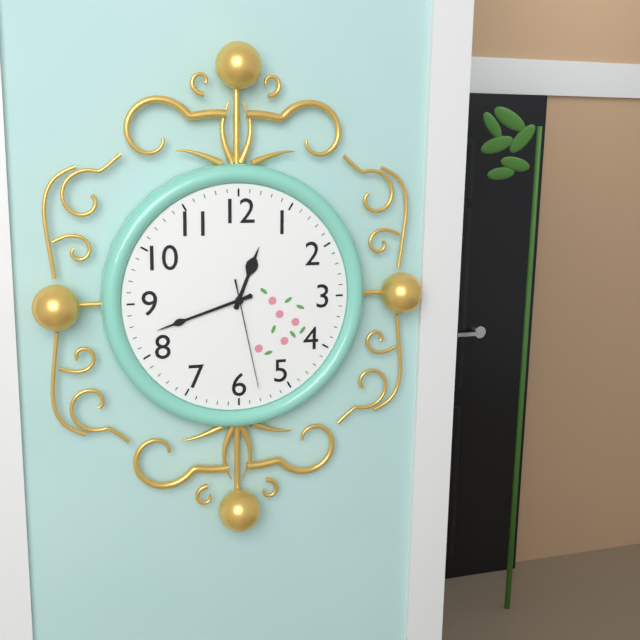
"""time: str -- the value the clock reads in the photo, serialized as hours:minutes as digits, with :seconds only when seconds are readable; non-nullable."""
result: 12:42:28
